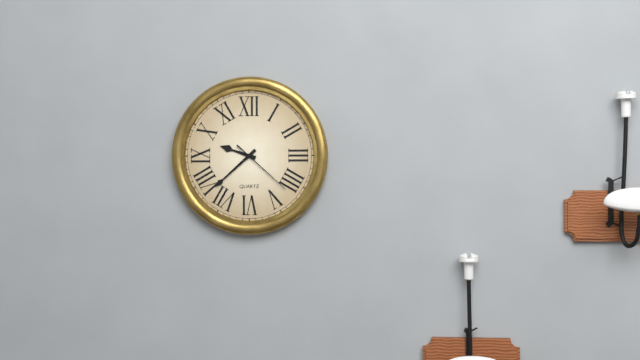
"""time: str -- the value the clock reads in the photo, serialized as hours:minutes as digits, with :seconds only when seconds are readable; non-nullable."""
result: 9:38:22
